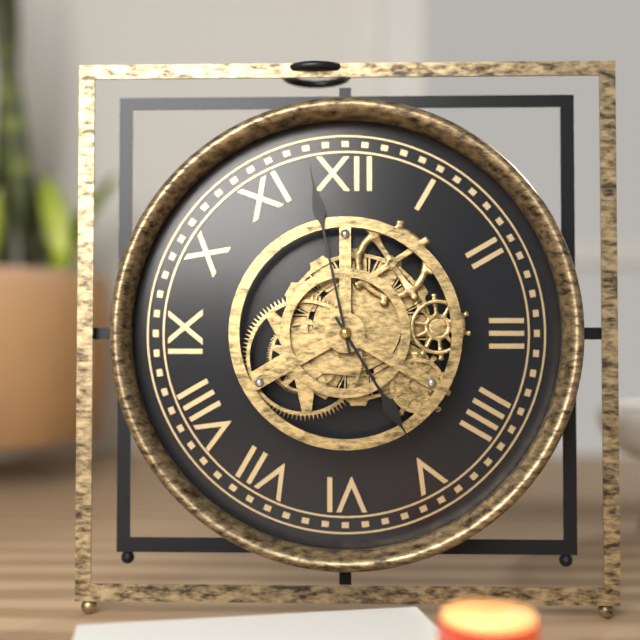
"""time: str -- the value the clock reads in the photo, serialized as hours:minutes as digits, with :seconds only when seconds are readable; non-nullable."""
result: 4:58
